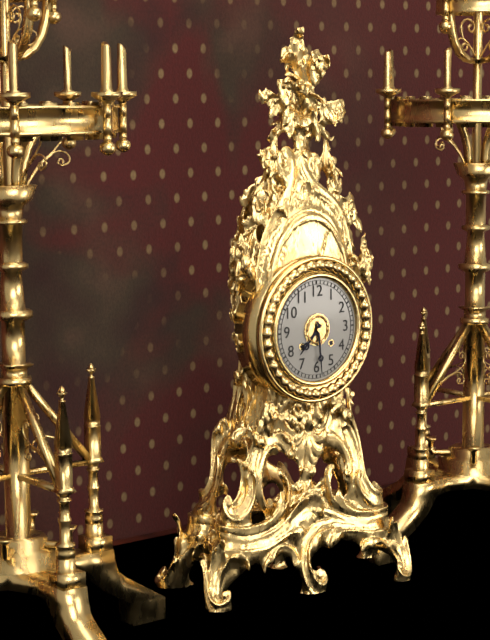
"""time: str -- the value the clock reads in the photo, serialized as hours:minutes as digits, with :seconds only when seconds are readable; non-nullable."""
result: 7:29
